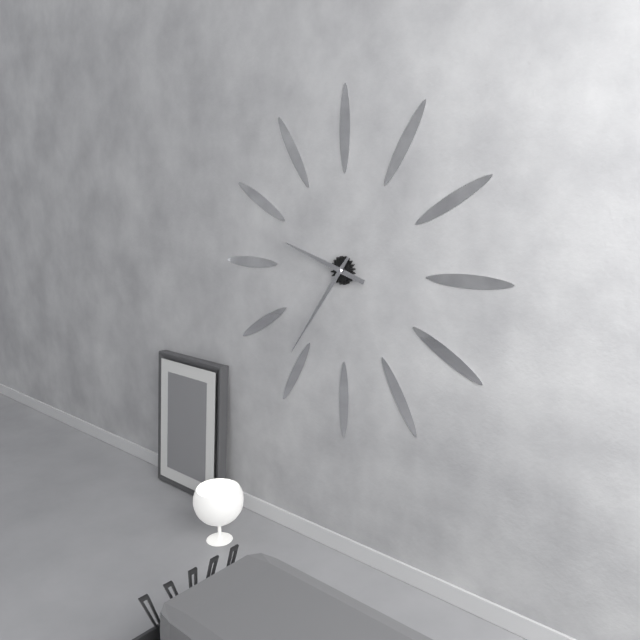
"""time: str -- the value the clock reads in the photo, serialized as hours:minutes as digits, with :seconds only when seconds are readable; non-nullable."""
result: 9:36
